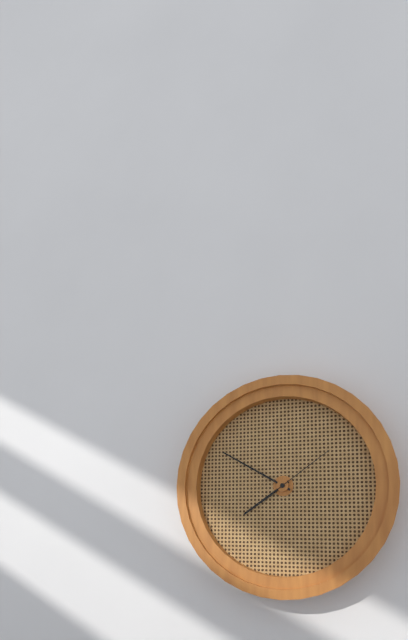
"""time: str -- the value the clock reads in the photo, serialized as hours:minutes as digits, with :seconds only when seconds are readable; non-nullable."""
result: 7:50:09
